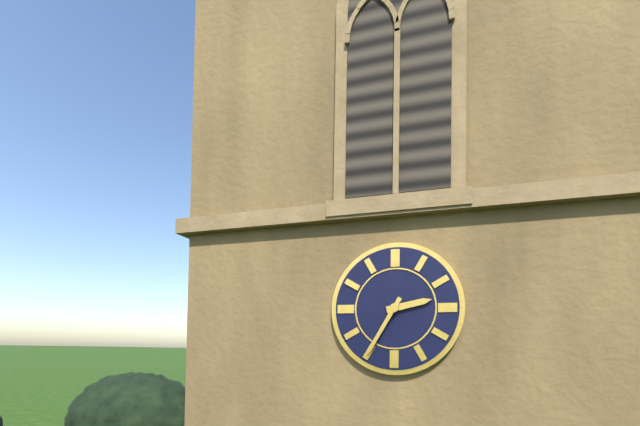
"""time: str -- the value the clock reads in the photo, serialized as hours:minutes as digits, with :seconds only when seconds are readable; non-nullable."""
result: 2:35
